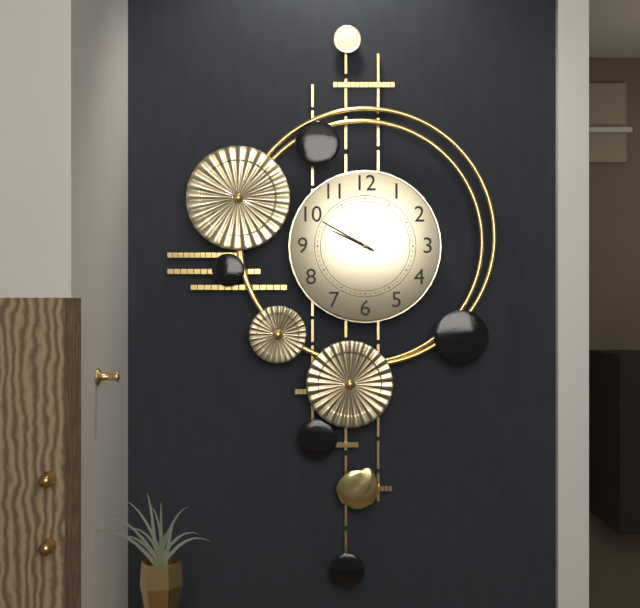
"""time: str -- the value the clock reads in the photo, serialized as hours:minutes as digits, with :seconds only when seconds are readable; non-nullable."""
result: 9:50
